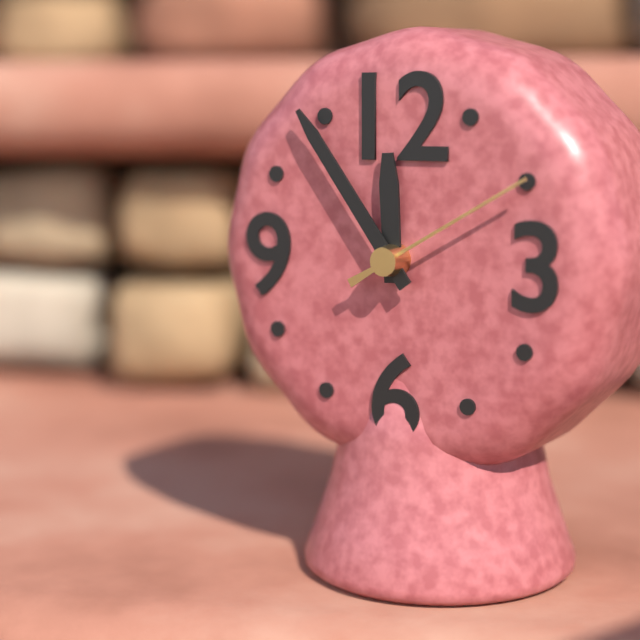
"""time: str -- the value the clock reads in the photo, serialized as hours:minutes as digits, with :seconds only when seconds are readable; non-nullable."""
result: 11:54:10
